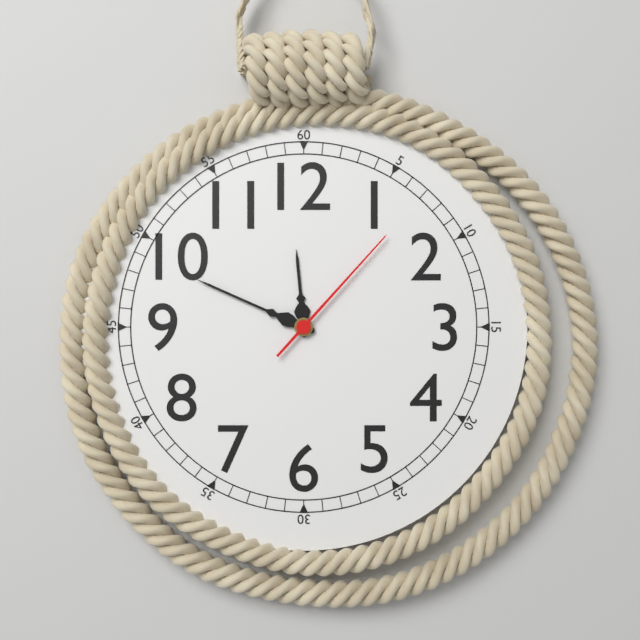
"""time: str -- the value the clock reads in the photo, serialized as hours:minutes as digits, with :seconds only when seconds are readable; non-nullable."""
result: 11:49:07
